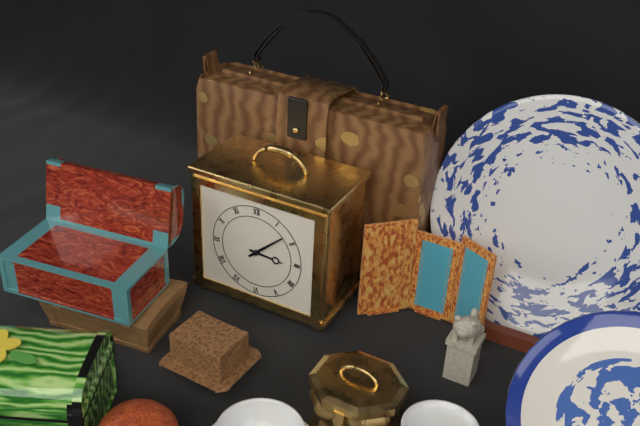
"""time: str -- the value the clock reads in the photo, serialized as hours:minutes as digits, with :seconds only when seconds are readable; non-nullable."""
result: 3:08
